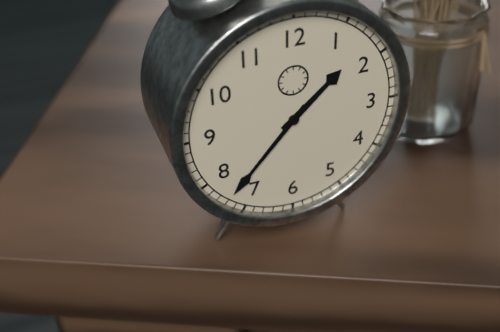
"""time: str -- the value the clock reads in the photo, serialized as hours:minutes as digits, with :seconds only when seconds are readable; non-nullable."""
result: 1:37
